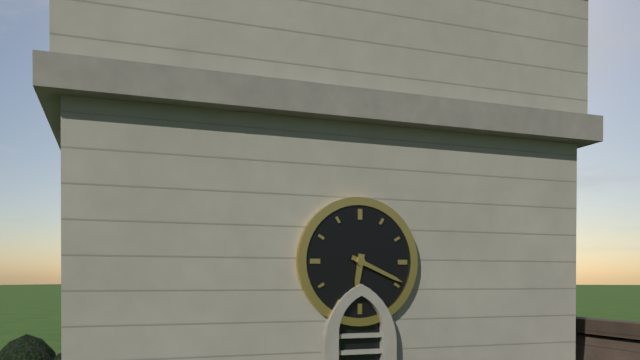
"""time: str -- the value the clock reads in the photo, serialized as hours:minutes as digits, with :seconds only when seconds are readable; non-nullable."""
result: 6:19
